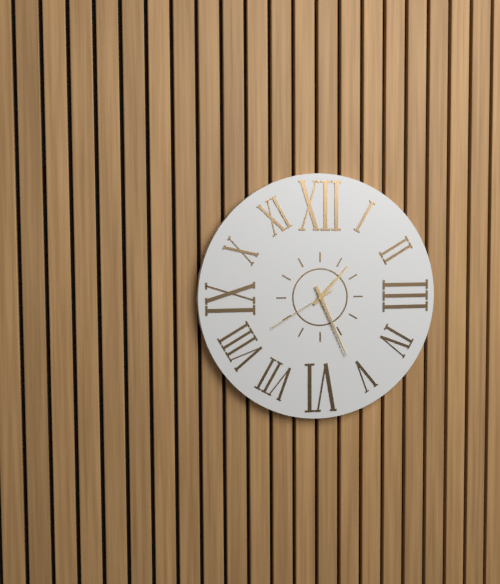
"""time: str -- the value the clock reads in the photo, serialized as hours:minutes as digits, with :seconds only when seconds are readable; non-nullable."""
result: 1:26:40
